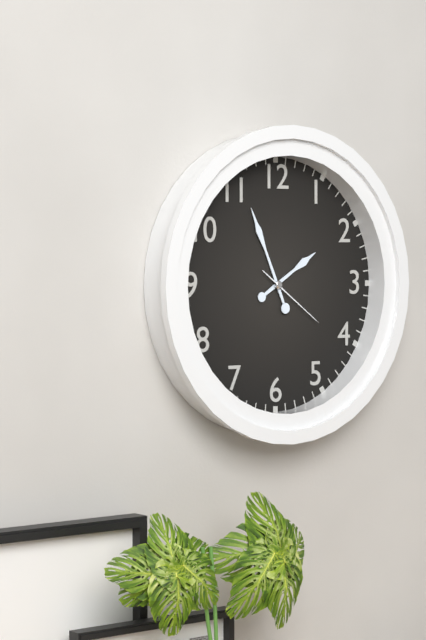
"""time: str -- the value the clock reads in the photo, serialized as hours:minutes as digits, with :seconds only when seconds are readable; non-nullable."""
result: 1:56:21
